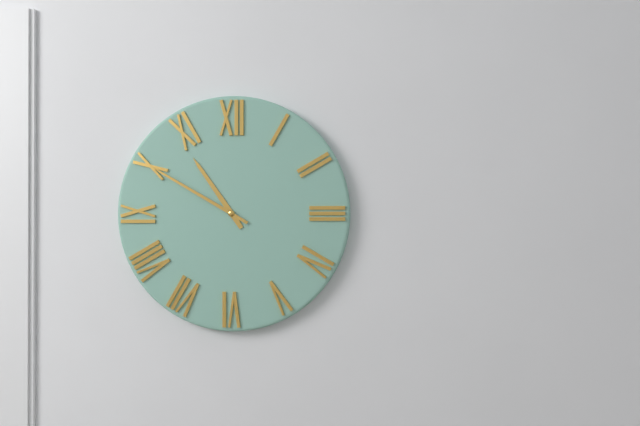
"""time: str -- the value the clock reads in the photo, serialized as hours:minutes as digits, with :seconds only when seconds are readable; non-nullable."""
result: 10:50
